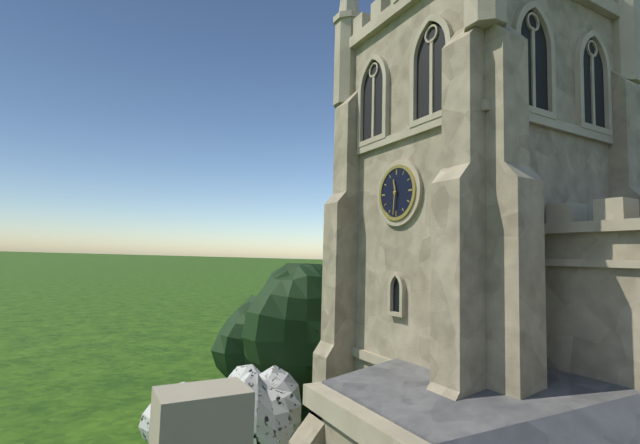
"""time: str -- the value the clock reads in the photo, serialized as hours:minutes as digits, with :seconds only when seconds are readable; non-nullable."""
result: 11:31
